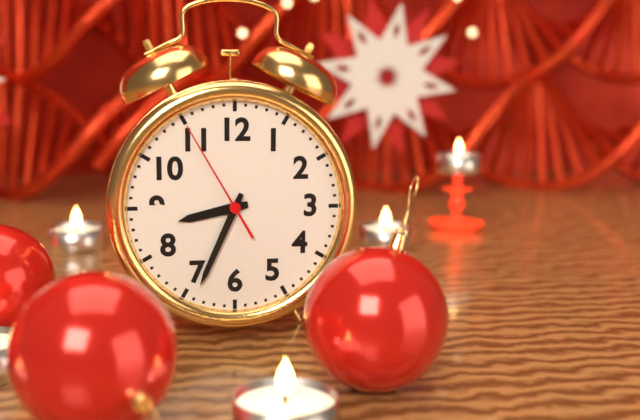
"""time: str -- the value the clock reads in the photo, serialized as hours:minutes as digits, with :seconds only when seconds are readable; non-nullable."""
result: 8:34:55
